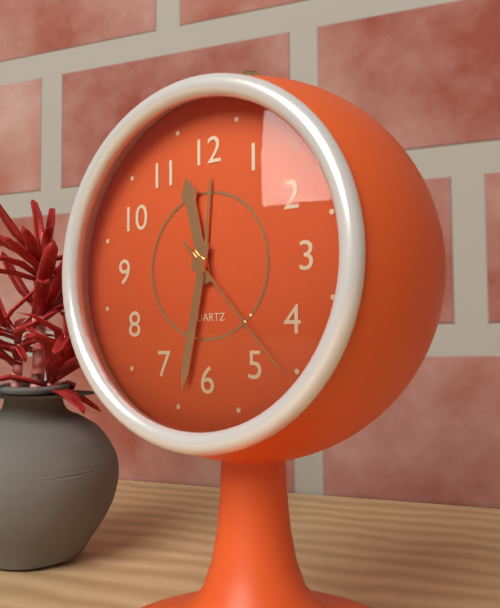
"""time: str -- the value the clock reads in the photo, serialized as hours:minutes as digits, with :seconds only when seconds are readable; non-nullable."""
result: 11:32:23
